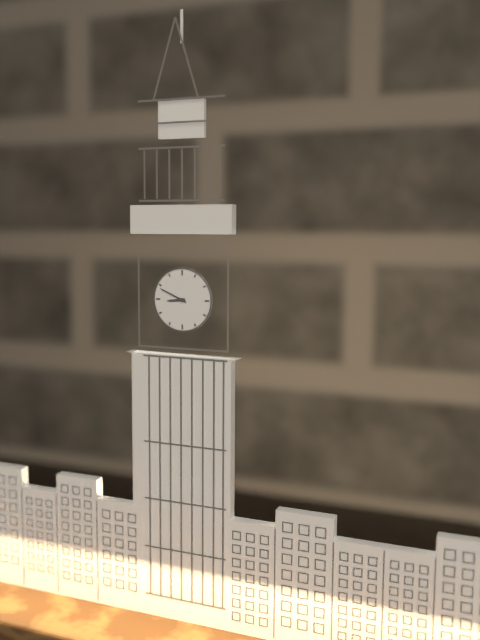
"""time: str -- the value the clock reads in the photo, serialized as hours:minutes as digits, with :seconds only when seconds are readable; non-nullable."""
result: 8:49
